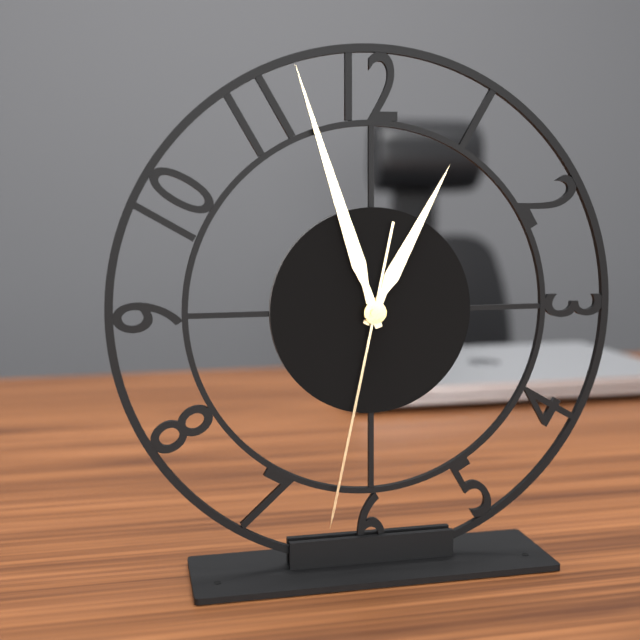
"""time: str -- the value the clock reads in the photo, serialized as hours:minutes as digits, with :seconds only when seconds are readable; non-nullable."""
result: 12:57:32
